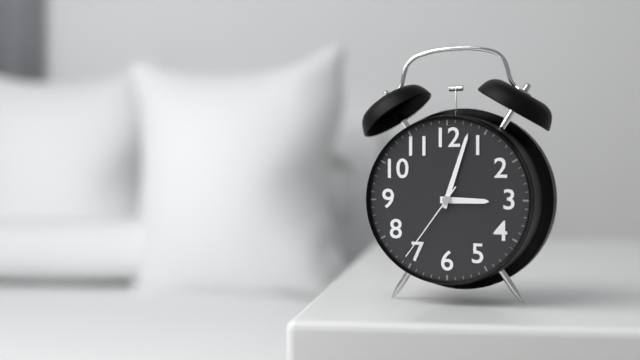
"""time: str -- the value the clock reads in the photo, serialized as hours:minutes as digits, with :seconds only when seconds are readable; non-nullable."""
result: 3:03:36
